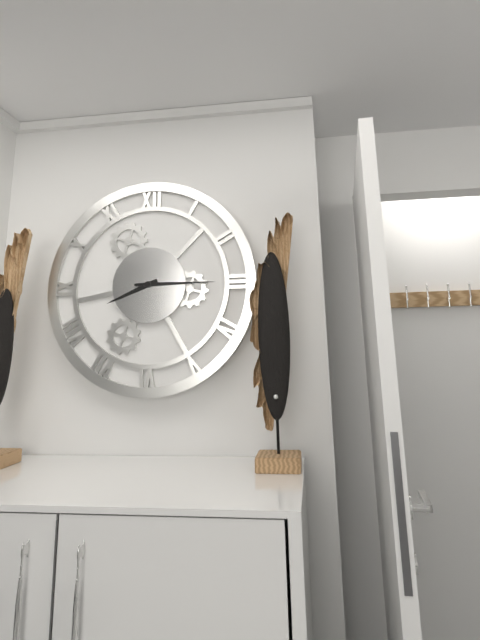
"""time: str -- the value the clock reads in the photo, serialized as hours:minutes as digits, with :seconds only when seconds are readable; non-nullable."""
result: 8:15
